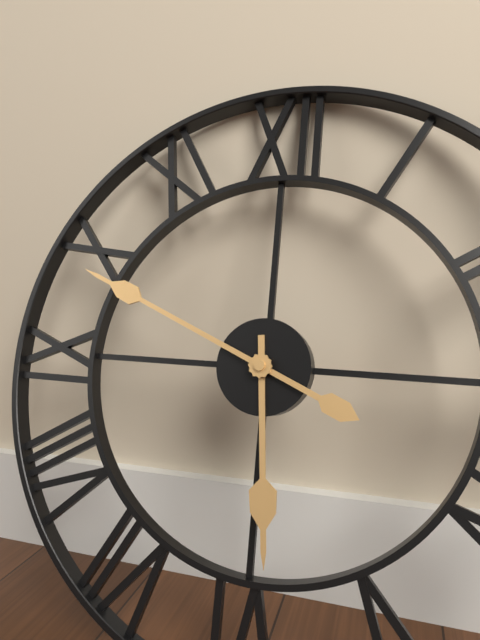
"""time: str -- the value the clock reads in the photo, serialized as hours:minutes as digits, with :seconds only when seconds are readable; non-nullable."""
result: 5:49
